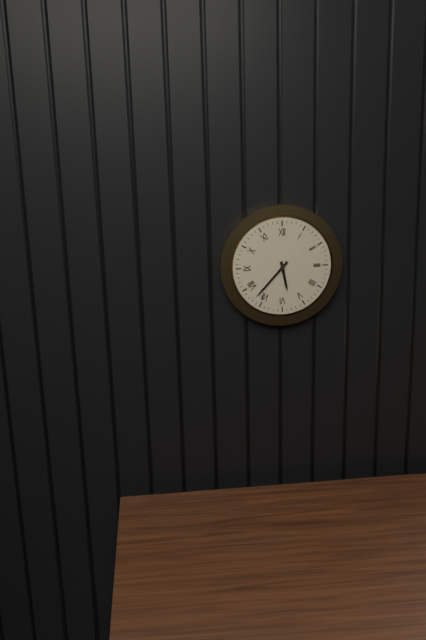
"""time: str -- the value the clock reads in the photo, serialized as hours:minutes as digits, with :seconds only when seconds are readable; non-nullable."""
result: 5:37
